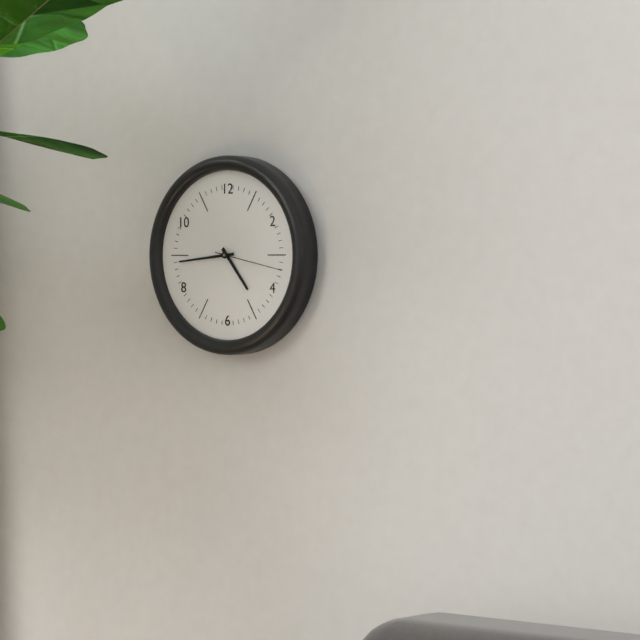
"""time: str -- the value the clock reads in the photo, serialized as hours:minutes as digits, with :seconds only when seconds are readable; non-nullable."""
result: 4:44:17
